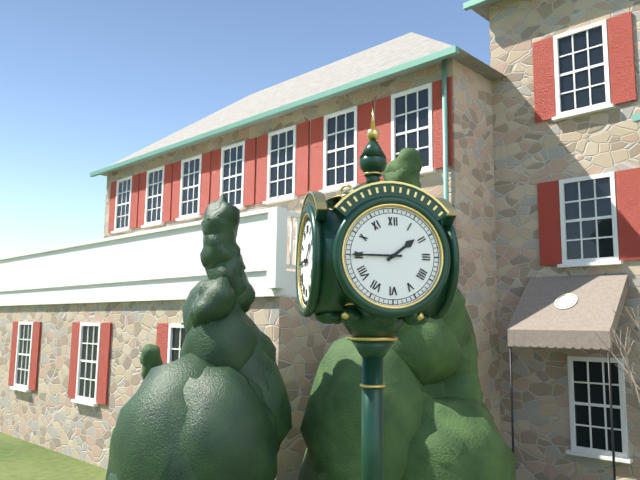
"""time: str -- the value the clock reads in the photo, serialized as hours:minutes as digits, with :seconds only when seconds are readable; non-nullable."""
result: 1:45
